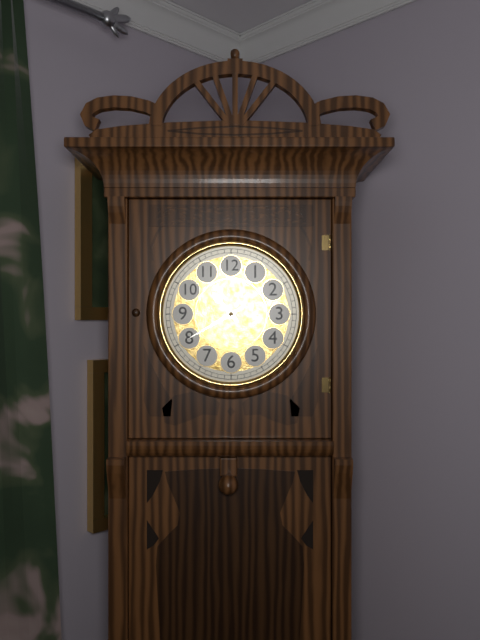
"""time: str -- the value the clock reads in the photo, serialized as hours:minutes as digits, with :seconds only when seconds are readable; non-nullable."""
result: 10:40
